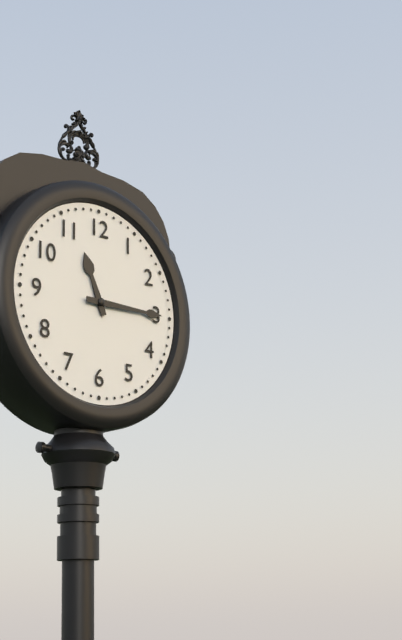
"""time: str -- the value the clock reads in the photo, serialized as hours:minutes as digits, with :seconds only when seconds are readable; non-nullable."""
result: 11:15
